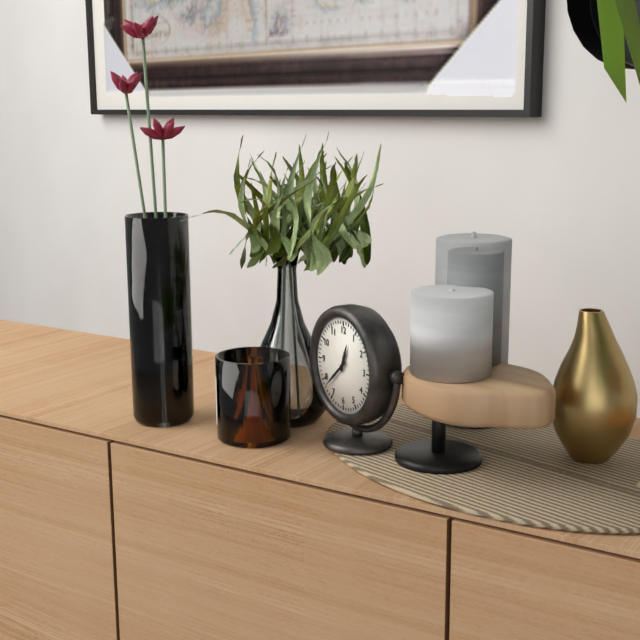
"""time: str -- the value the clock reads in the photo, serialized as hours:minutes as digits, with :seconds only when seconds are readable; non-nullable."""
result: 12:38
